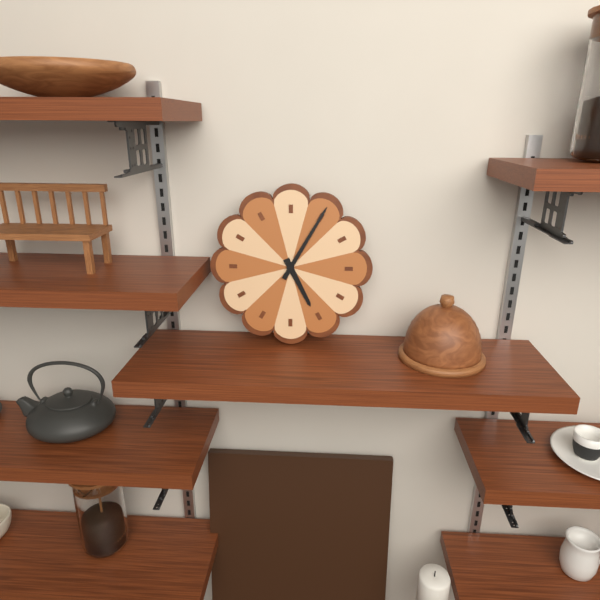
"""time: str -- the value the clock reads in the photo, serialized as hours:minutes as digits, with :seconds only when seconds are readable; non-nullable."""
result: 5:05
